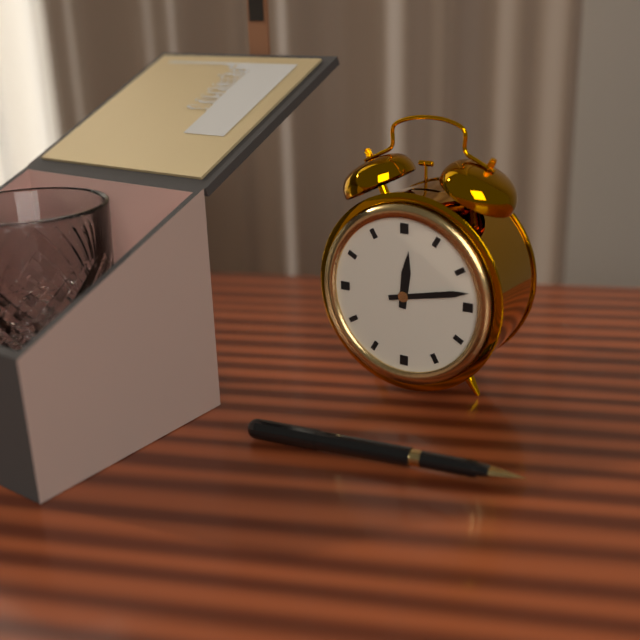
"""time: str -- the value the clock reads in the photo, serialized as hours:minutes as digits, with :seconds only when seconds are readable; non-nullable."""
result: 12:13
